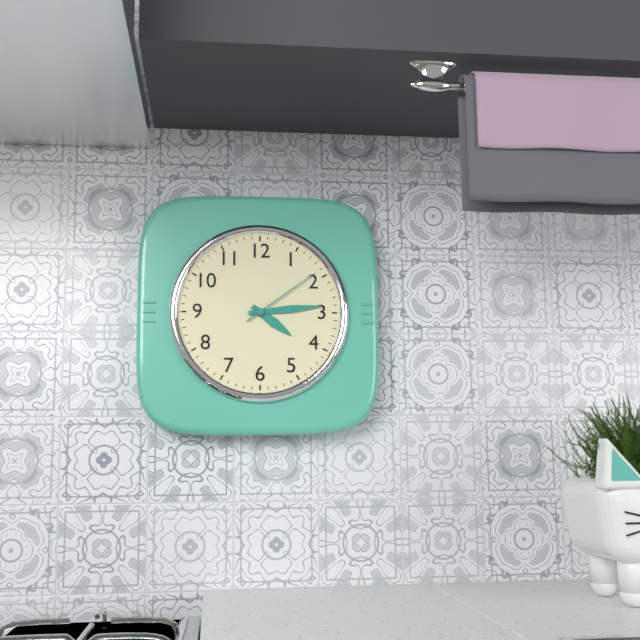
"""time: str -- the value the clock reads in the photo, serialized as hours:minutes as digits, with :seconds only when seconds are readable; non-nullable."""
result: 4:14:09
